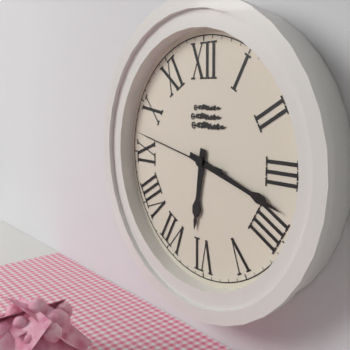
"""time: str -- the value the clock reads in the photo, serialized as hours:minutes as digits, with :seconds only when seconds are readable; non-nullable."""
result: 6:18:47
